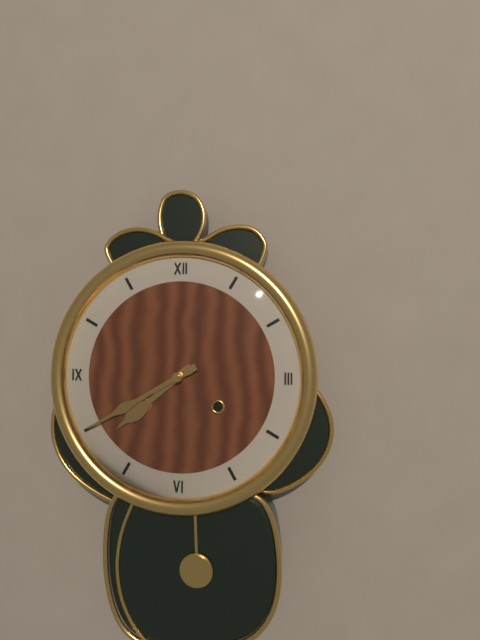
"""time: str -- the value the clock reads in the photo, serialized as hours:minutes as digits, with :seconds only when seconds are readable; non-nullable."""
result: 7:40
